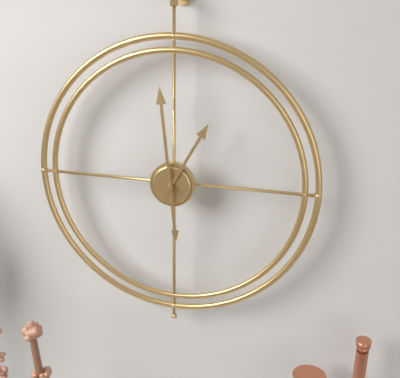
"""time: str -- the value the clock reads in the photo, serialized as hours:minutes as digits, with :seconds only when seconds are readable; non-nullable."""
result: 12:59
